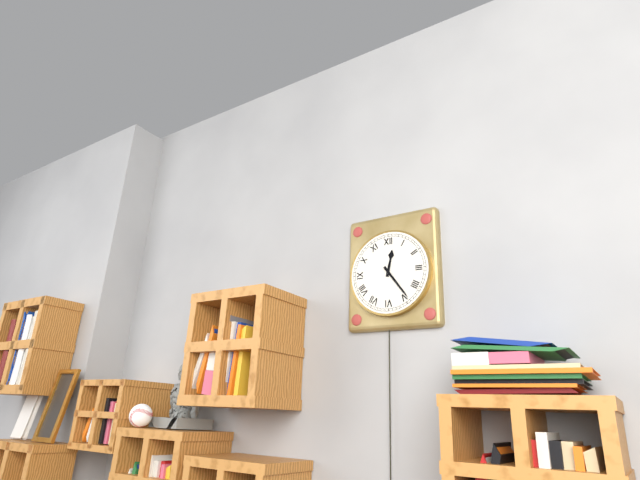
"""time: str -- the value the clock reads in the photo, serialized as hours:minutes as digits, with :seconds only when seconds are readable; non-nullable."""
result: 12:24
